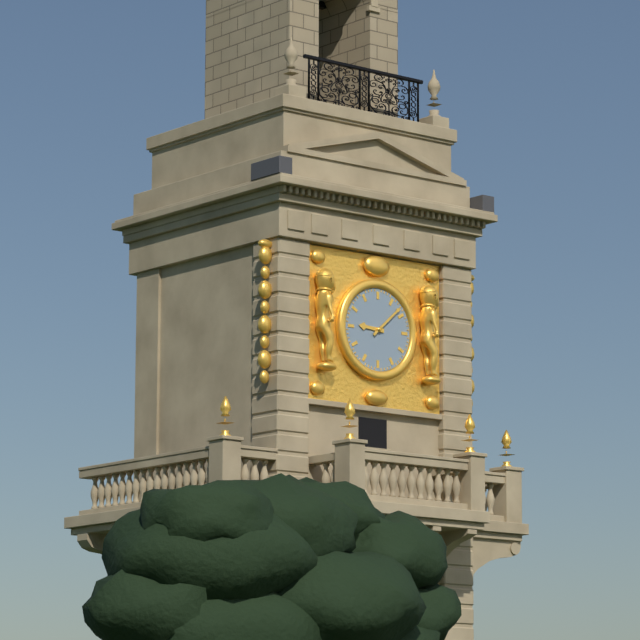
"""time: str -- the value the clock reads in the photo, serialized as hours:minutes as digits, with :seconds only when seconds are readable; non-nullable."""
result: 9:08
